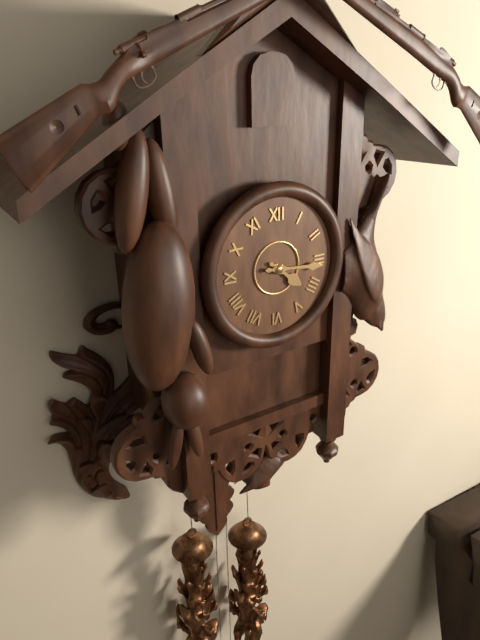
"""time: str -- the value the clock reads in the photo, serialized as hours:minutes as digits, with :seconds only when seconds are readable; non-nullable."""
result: 4:16
